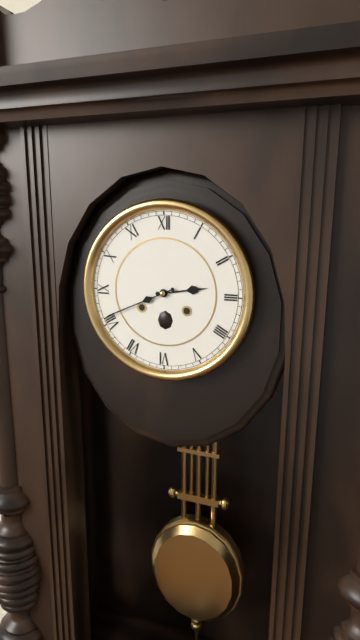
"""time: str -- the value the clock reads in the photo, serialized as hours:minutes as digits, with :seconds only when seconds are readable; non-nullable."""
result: 2:41
